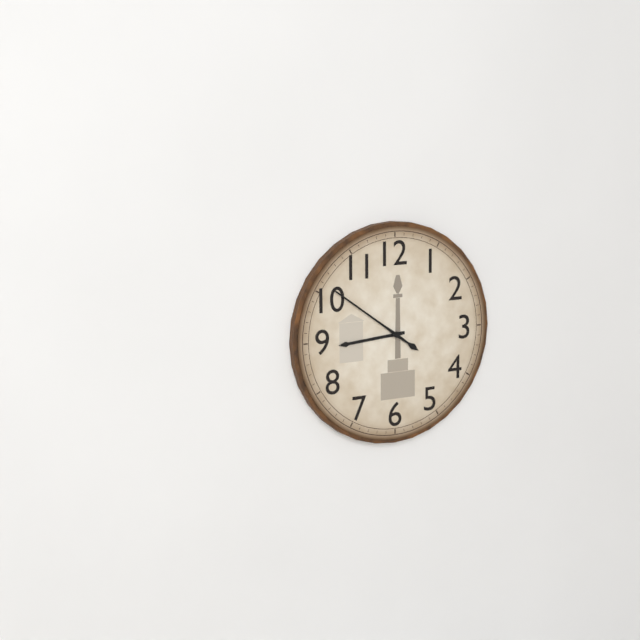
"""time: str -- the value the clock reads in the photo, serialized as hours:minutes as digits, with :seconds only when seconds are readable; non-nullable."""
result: 8:51
